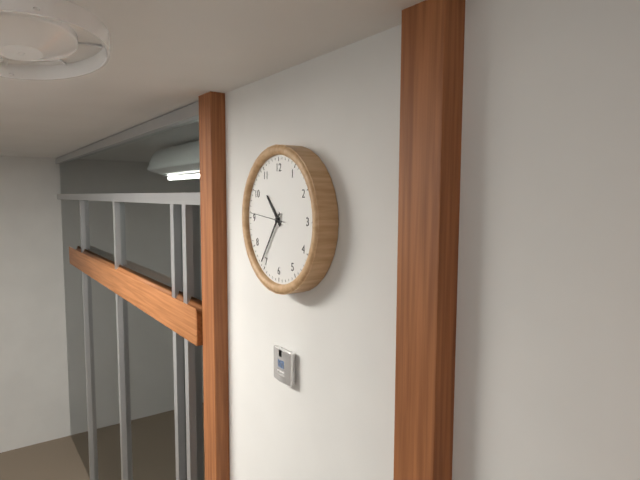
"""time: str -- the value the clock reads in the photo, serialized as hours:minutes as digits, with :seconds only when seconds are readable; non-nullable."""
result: 10:36
